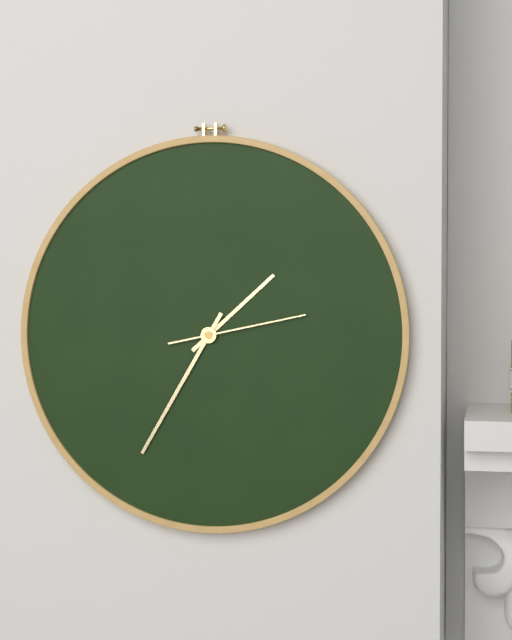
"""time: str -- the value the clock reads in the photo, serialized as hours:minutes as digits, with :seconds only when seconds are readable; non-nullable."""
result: 1:35:13
